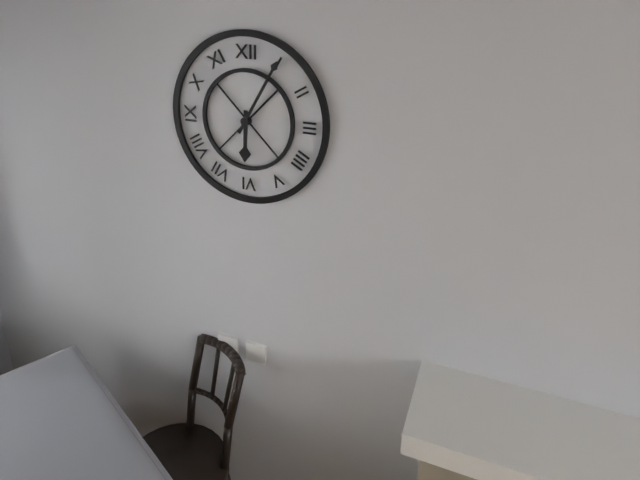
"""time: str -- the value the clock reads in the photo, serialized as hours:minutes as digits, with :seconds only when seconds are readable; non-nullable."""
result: 6:05
